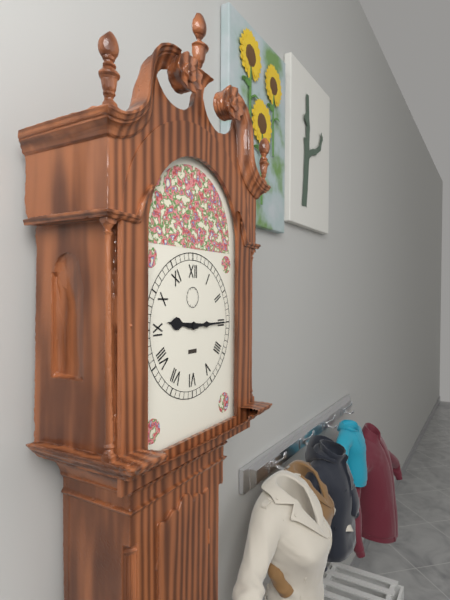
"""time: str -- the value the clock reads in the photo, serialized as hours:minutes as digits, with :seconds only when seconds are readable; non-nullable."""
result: 9:15
